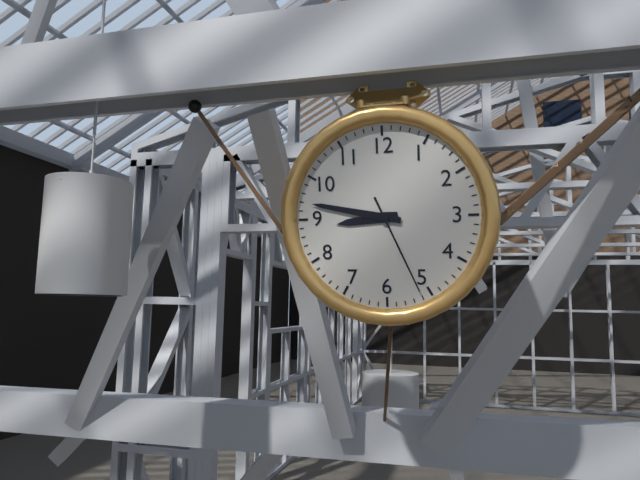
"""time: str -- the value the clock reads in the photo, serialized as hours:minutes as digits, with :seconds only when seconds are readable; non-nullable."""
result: 8:47:26
